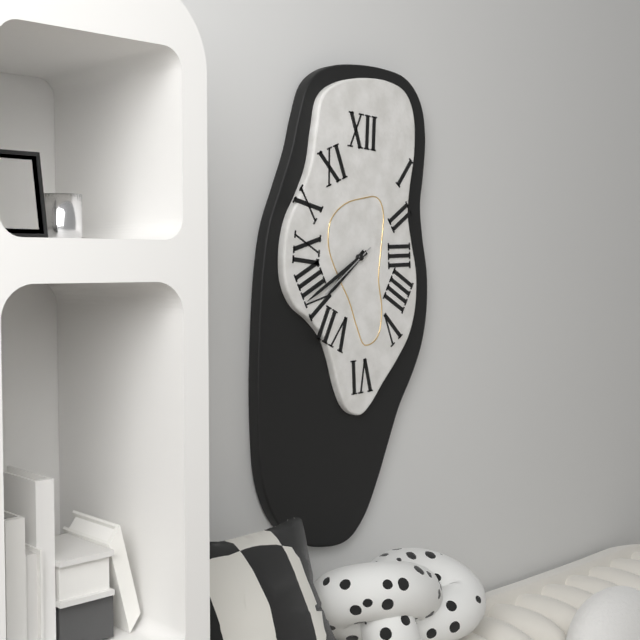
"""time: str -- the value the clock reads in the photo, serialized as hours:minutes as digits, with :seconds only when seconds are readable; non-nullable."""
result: 7:40:39
